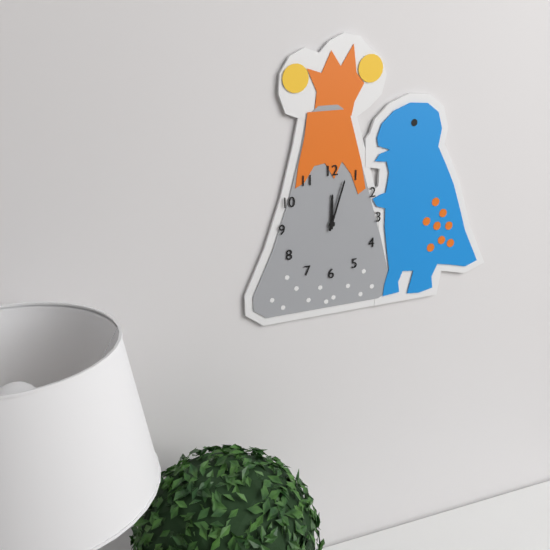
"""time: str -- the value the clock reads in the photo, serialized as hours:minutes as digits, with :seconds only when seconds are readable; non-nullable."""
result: 12:03
